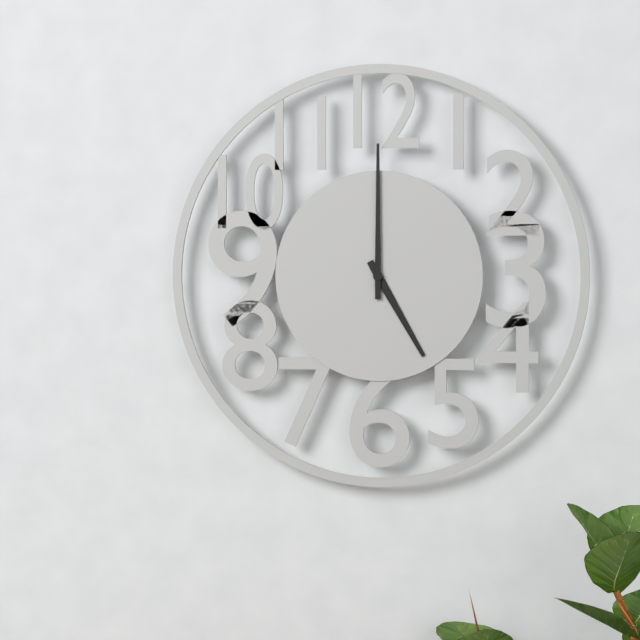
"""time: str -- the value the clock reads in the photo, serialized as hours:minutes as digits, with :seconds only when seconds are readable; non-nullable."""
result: 5:00
